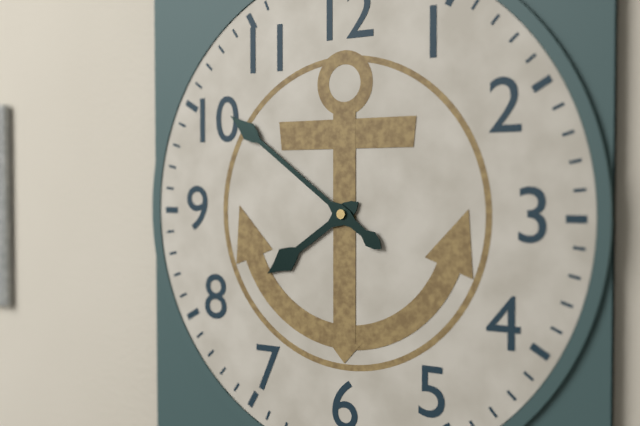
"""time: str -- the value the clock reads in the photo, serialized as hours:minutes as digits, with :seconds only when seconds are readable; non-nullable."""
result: 7:51
